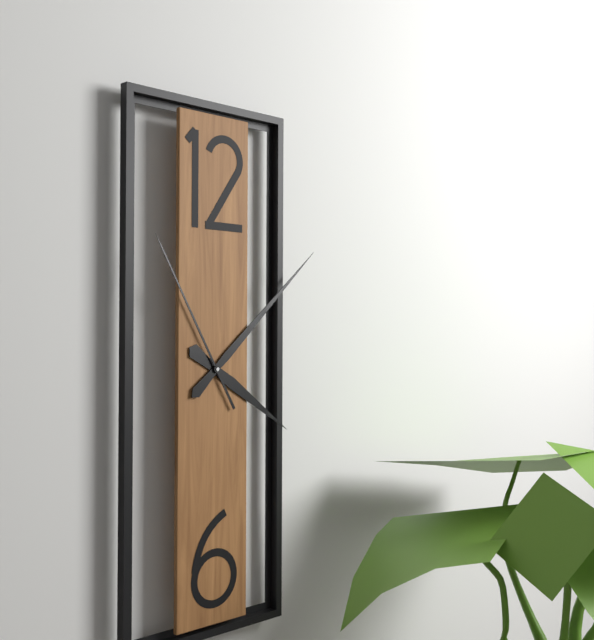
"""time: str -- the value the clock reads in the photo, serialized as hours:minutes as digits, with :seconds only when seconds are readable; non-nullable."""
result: 4:08:55
